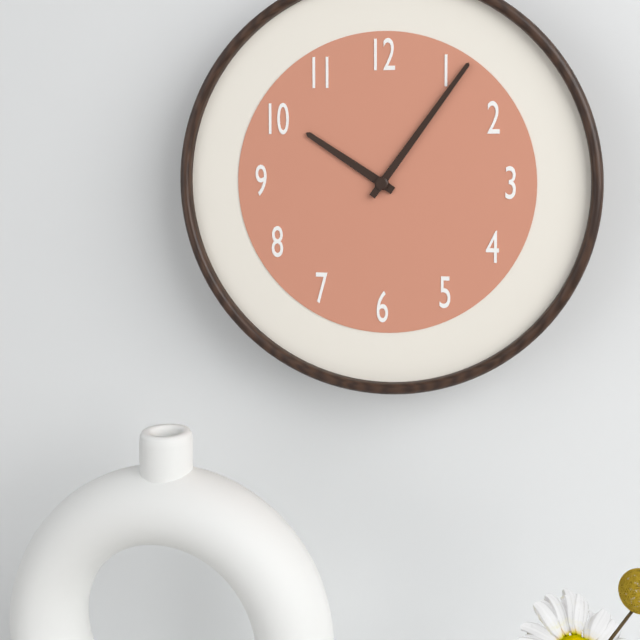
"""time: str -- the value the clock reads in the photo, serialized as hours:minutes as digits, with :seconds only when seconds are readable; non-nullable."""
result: 10:06
